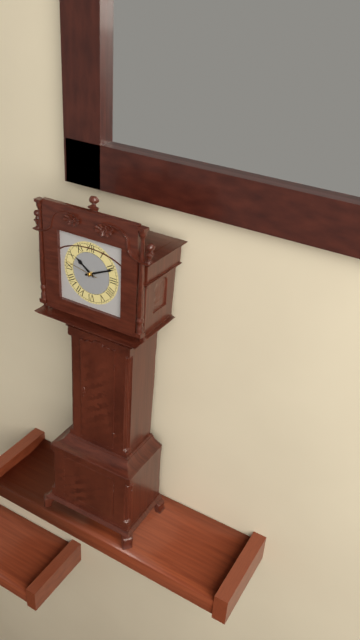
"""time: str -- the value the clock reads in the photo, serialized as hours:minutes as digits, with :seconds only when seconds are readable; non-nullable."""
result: 10:11
